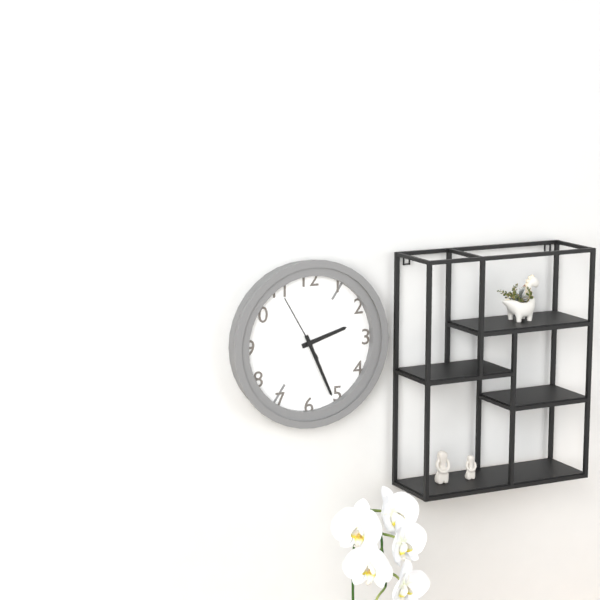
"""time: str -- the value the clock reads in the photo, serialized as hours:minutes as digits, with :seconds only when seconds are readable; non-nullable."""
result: 2:26:55
